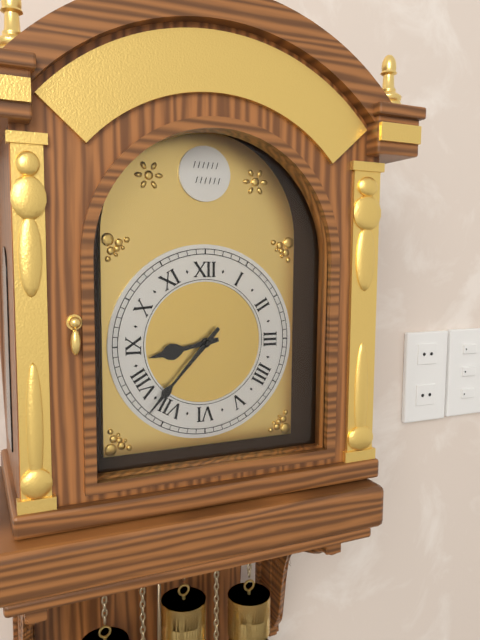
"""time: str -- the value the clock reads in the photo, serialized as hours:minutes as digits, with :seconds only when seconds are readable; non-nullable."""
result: 8:37
